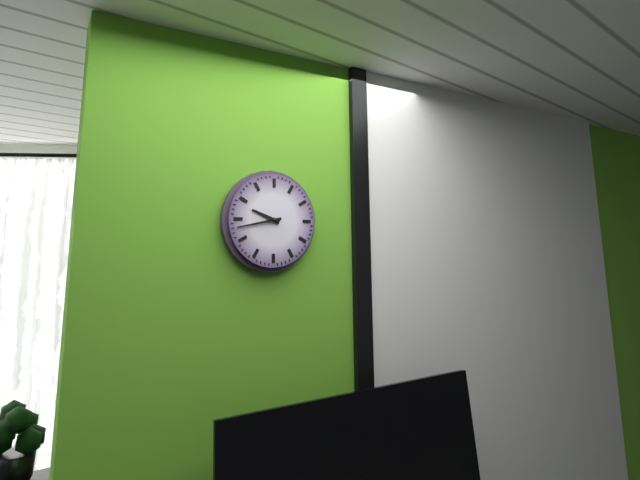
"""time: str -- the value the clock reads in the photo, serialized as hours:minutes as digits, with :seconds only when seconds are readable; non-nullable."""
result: 9:43
